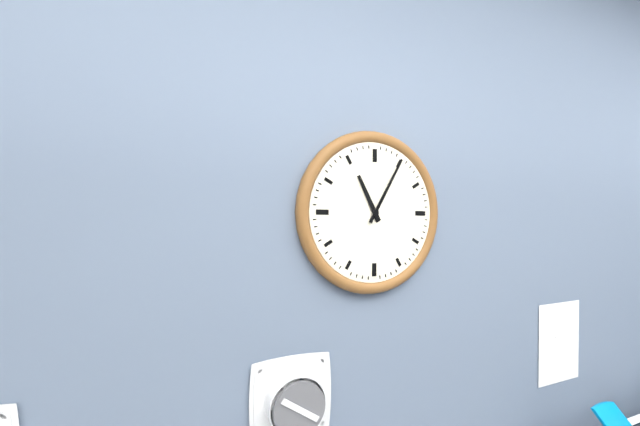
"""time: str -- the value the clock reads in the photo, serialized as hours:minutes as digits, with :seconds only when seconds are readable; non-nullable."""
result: 11:05
